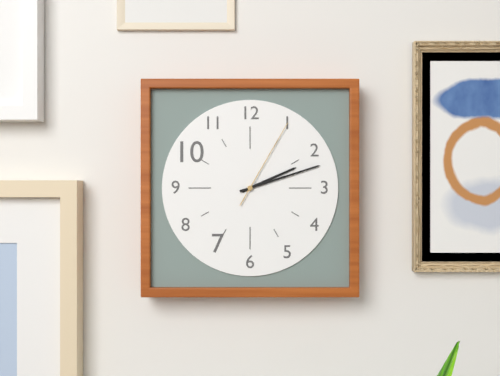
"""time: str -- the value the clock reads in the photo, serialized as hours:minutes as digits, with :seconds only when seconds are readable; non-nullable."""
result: 2:12:05
